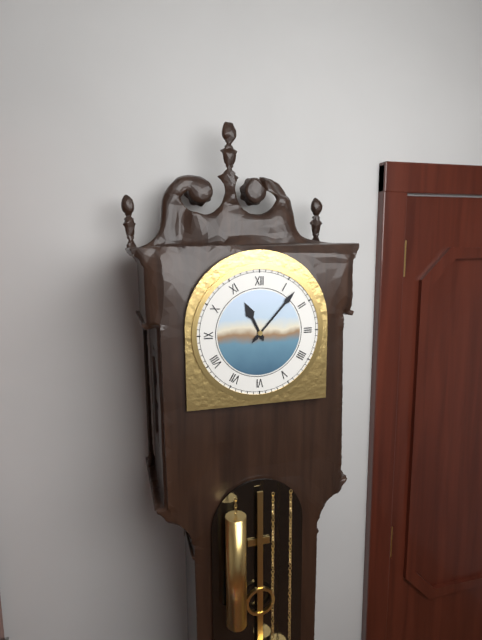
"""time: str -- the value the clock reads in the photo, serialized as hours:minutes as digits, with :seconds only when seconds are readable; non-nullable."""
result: 11:07
